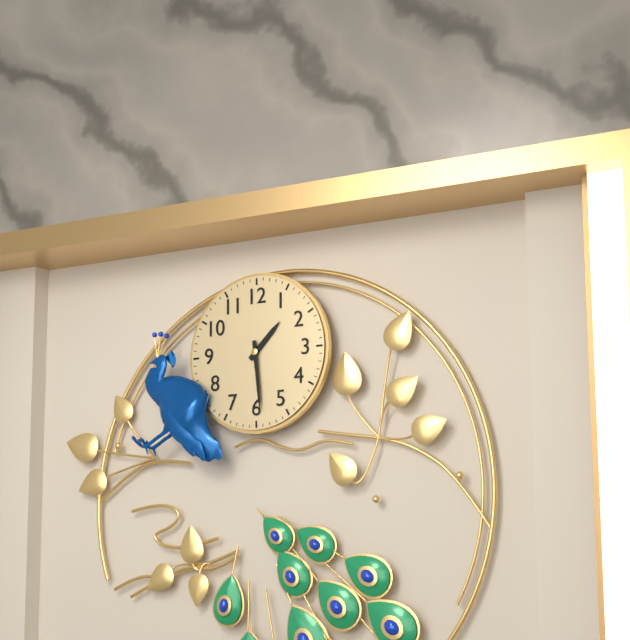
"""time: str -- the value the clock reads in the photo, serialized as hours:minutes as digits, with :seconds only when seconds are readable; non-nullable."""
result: 1:29
